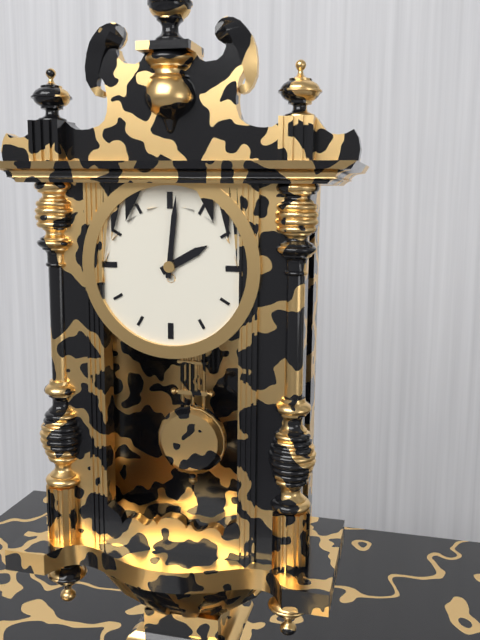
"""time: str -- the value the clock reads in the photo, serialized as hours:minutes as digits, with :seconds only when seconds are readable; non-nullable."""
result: 2:01
